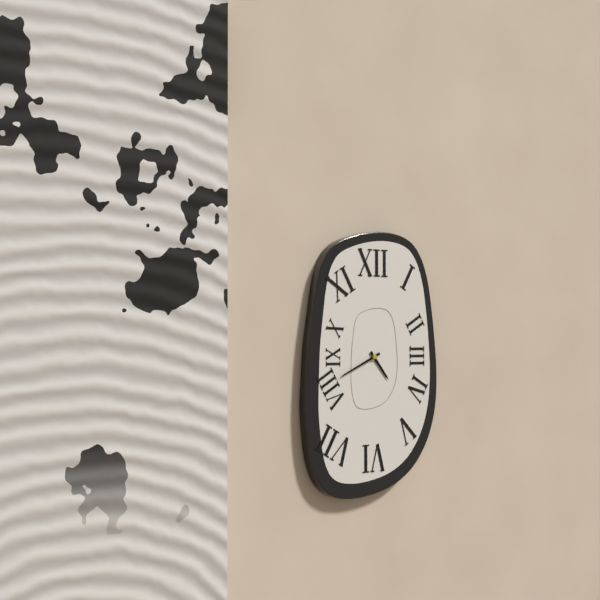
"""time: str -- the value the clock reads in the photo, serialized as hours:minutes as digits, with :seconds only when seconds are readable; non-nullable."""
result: 4:41
